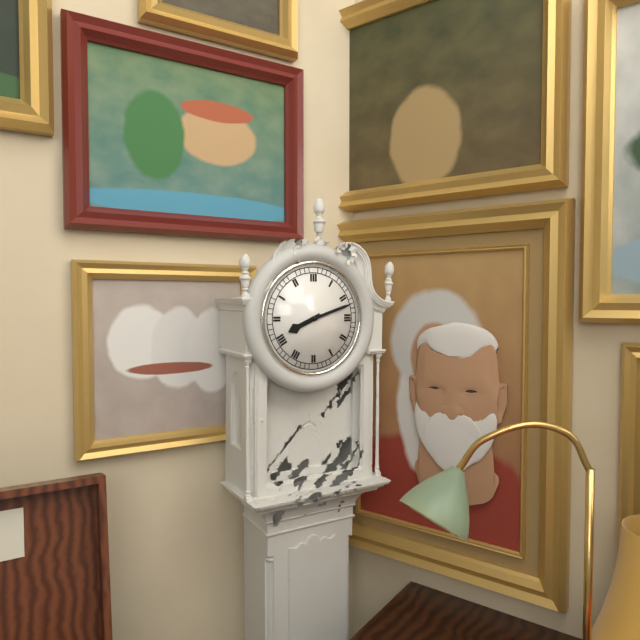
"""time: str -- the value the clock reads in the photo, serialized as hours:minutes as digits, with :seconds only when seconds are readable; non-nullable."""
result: 8:12
